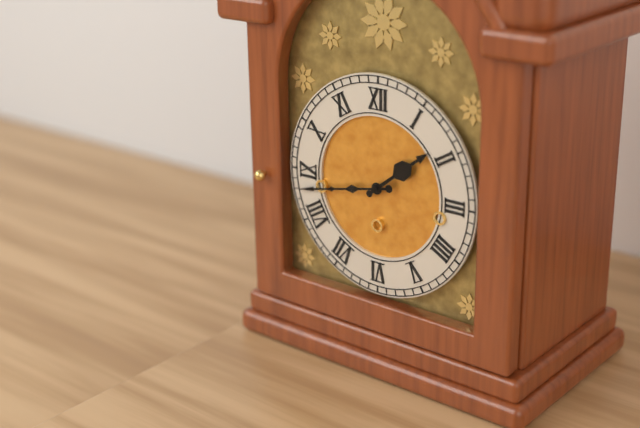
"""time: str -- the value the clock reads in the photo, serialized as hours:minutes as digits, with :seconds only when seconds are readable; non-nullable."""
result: 1:43
